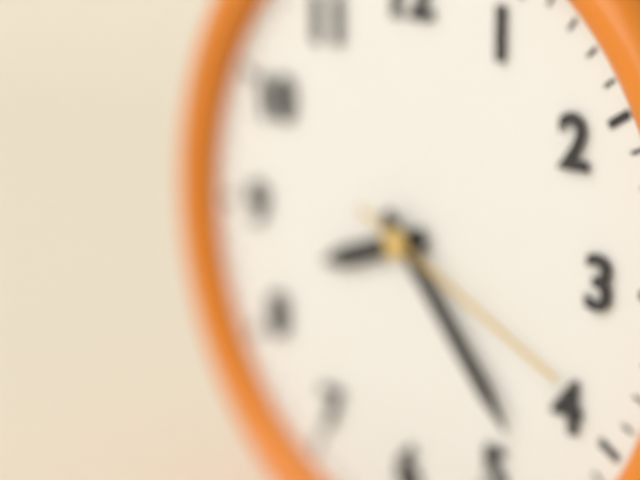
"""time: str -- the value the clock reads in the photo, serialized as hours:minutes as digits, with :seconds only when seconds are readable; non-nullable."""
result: 8:23:19
